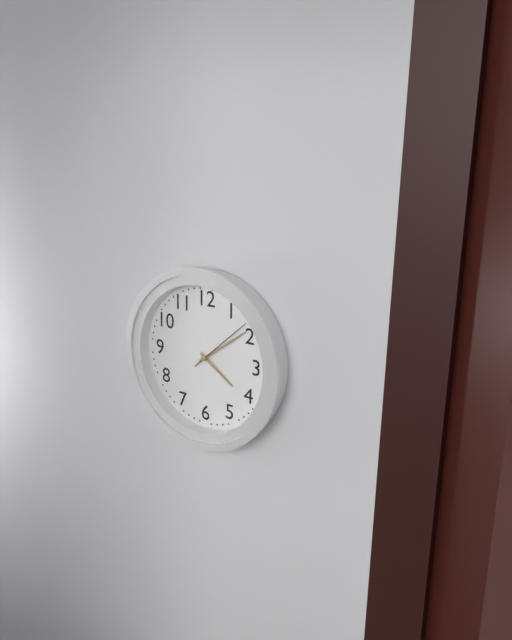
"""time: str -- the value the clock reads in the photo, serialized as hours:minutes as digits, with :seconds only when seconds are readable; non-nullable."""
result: 4:09:08
